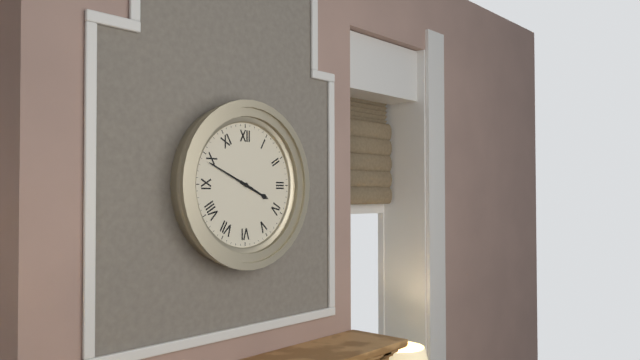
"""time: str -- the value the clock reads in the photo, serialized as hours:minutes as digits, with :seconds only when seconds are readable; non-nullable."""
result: 3:49
